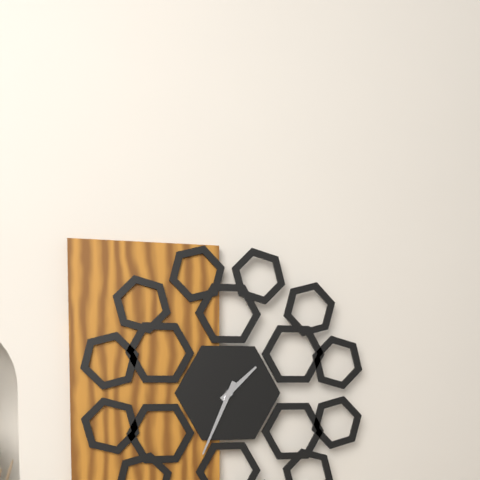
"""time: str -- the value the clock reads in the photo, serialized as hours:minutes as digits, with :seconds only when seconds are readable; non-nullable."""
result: 1:34
